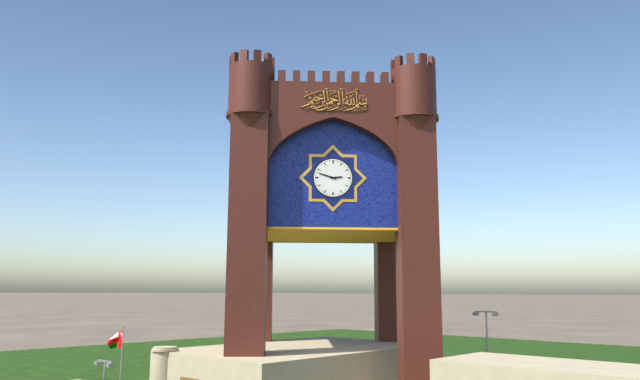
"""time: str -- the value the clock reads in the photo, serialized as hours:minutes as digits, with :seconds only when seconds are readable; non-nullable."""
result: 2:48
